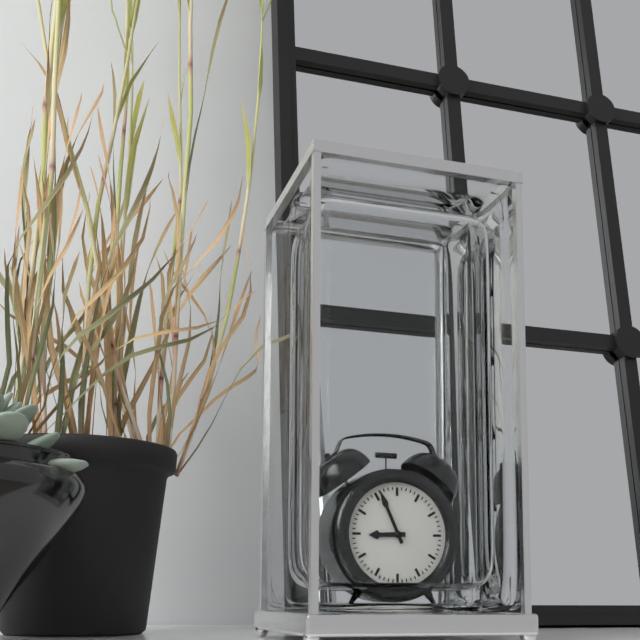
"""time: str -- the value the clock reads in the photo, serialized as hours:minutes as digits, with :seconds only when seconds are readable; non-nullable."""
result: 8:56
